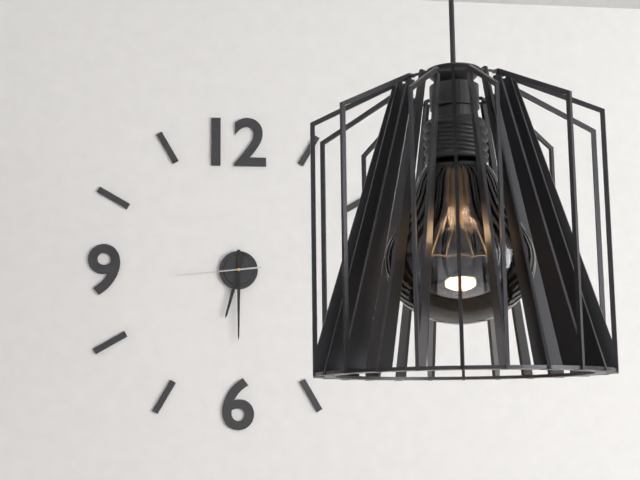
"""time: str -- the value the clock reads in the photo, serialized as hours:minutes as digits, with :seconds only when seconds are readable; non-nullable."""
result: 6:30:44
